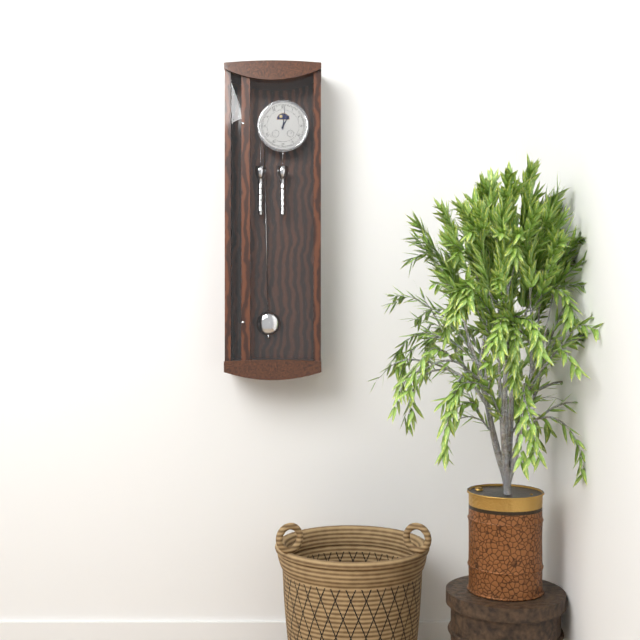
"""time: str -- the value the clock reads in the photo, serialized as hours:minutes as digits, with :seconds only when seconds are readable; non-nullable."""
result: 1:01
